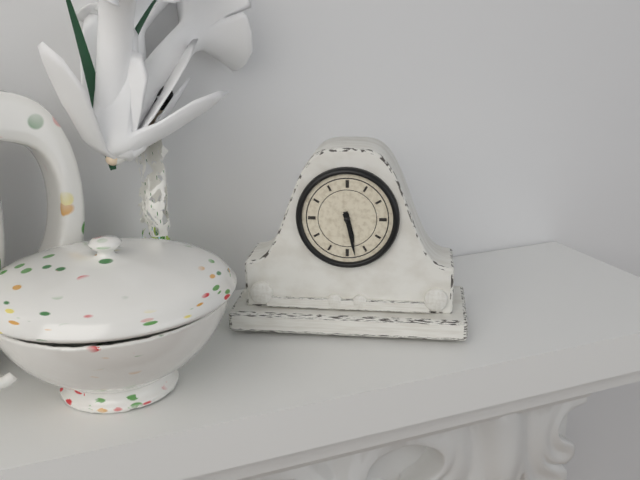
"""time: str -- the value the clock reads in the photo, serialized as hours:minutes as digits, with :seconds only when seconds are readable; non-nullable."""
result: 5:28
